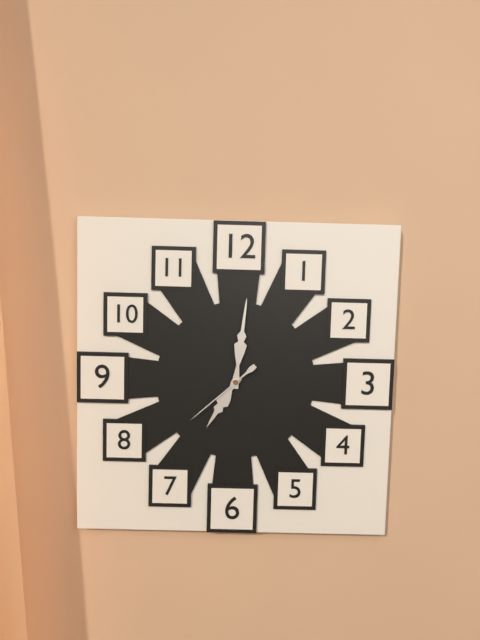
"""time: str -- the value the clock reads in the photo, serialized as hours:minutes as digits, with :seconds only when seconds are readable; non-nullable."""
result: 7:01:38
